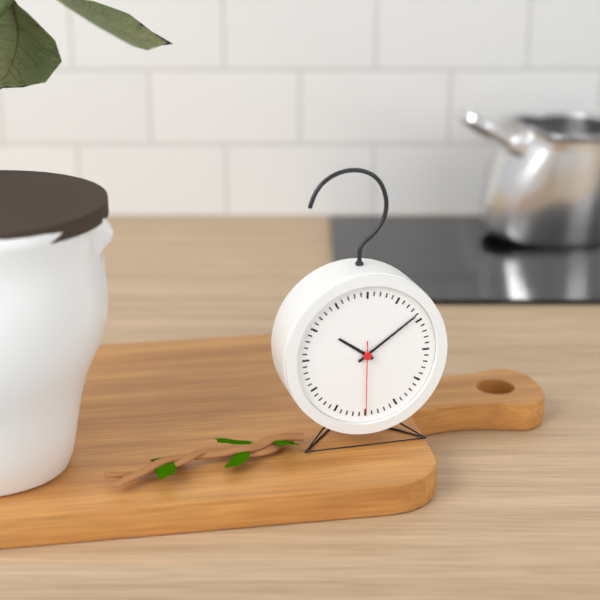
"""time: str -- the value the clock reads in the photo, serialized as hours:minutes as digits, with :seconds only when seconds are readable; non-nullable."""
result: 10:09:30
